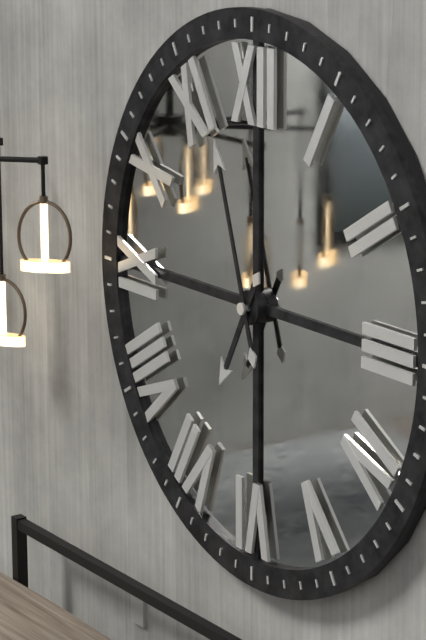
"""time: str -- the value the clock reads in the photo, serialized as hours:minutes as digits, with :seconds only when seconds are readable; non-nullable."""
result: 6:57
